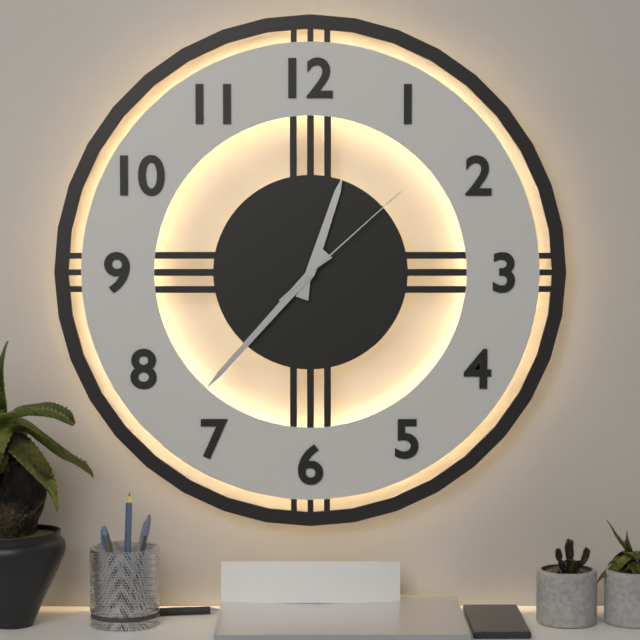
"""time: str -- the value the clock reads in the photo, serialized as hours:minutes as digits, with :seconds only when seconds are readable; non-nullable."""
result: 12:37:08
